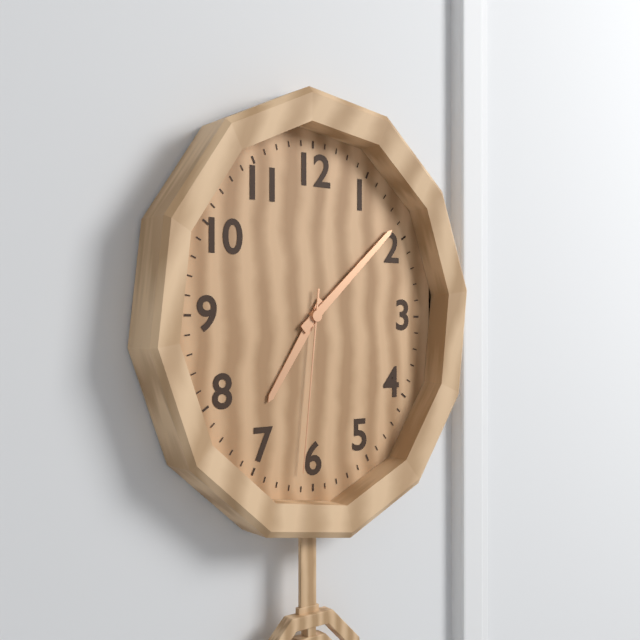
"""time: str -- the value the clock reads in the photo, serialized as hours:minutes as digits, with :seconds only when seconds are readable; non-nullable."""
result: 7:08:31
